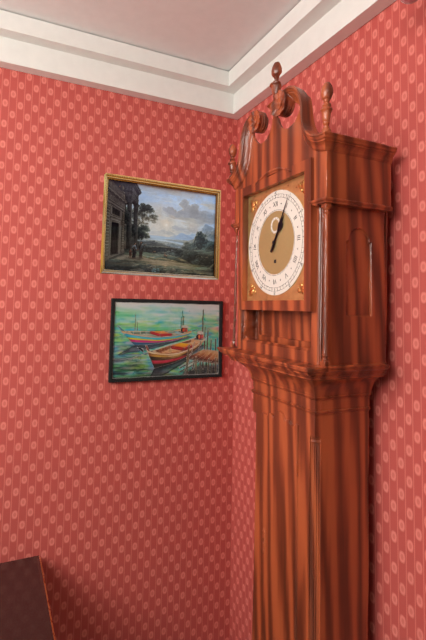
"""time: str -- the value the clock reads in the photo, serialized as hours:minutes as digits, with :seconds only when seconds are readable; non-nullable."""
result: 1:05
